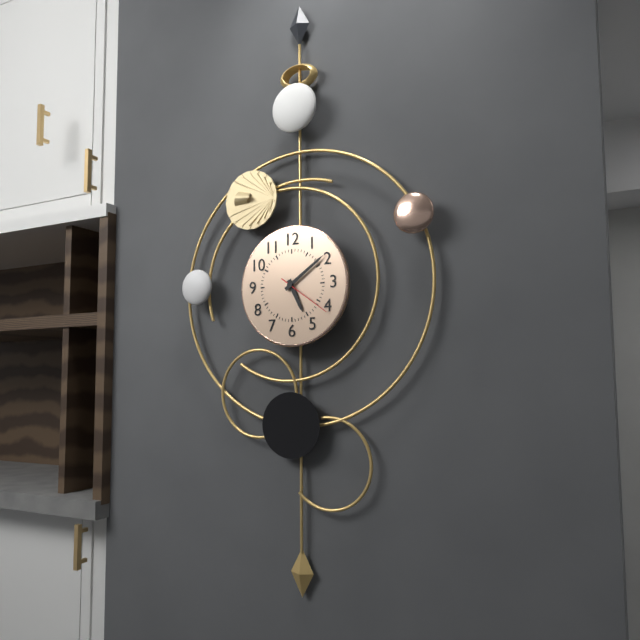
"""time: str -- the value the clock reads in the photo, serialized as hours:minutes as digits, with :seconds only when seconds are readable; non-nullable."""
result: 5:09:21
